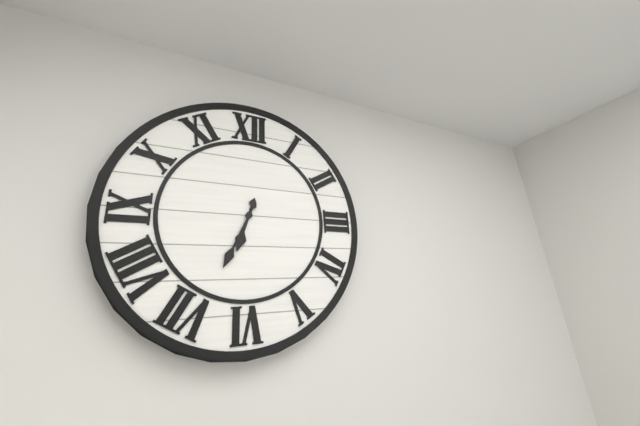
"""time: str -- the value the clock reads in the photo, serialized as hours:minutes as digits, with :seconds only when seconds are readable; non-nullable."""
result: 6:34
